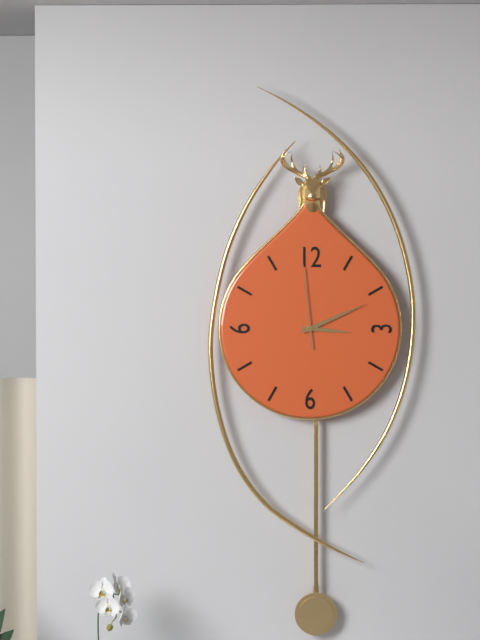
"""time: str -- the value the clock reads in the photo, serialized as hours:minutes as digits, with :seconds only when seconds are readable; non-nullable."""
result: 3:11:59
